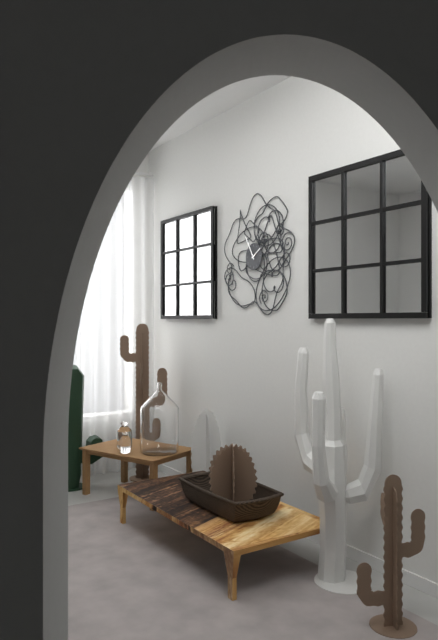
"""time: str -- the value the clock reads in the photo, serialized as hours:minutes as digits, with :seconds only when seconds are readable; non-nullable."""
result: 1:55
